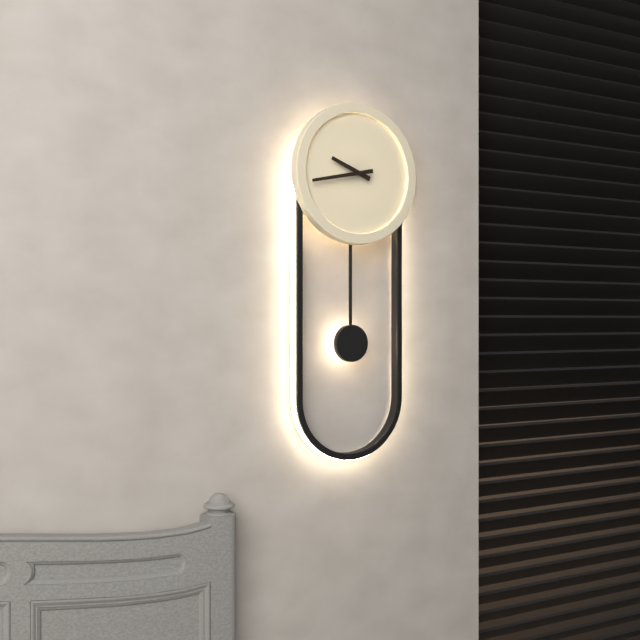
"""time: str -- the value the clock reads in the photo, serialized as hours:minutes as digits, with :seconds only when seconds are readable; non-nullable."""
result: 9:43
